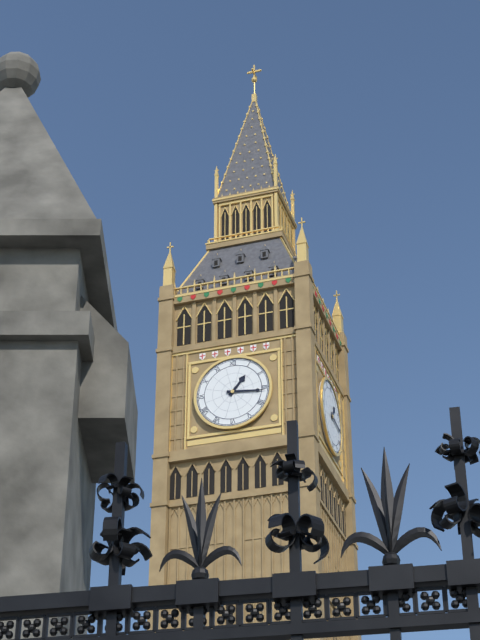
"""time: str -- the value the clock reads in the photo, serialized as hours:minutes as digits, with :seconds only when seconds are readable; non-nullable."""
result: 1:16
